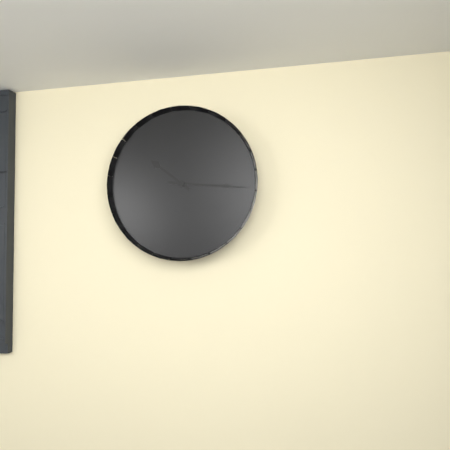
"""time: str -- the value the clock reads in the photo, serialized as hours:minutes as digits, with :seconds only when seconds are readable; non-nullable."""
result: 10:16
